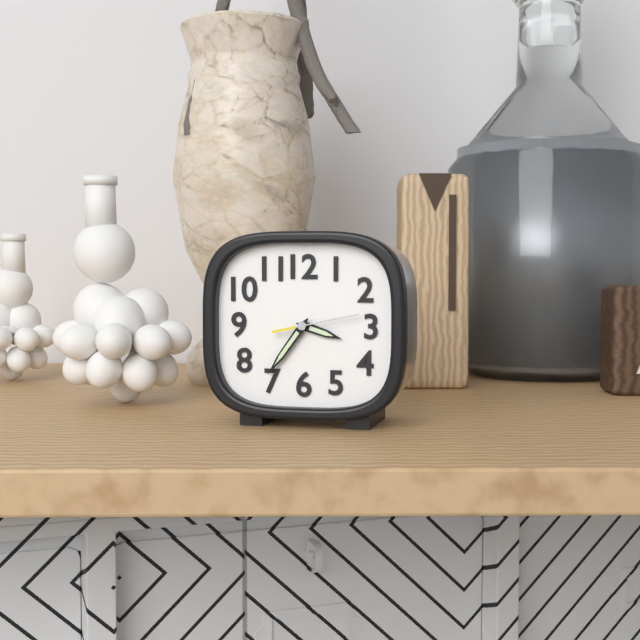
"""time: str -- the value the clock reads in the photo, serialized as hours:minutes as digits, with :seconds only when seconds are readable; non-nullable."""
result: 3:36:13
